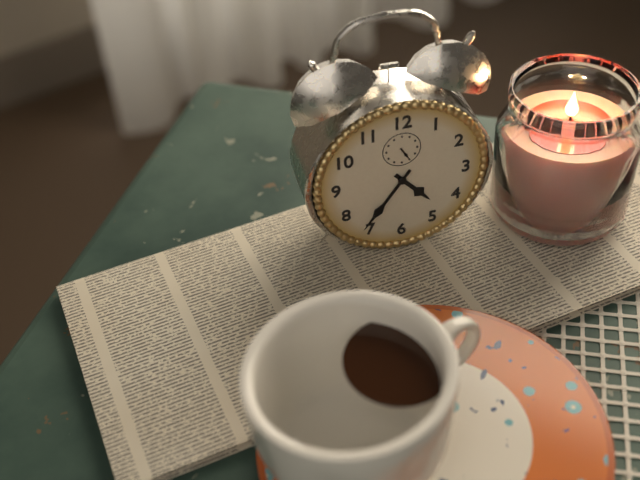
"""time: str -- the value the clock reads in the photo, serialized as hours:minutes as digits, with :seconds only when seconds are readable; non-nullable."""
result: 4:36
